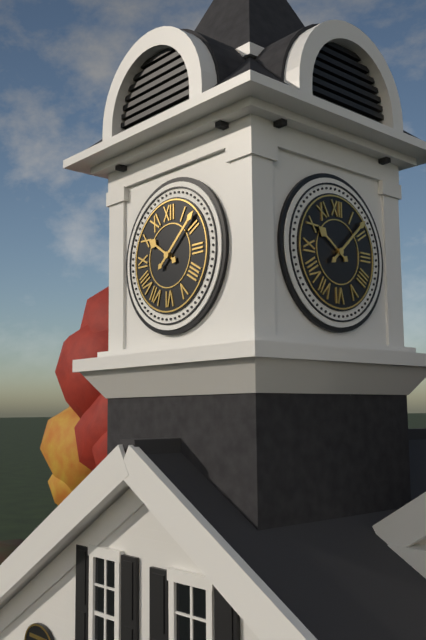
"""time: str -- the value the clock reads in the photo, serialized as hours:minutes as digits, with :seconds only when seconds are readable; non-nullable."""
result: 10:08
